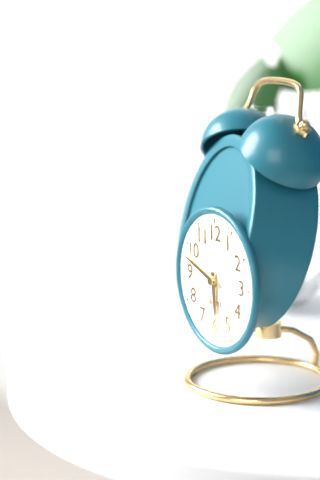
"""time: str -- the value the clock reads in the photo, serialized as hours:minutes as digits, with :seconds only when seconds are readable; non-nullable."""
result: 5:48
